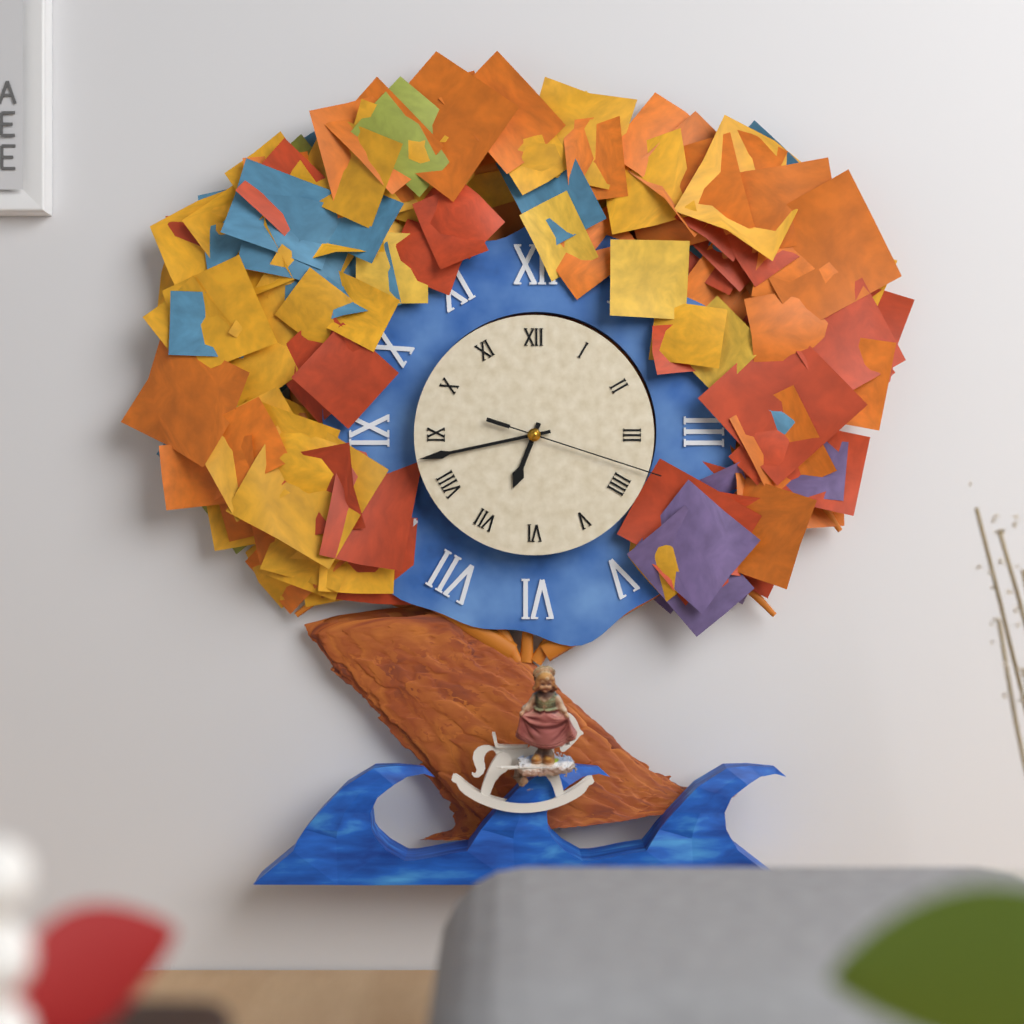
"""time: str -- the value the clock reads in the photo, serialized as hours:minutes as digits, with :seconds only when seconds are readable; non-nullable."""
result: 6:43:18
